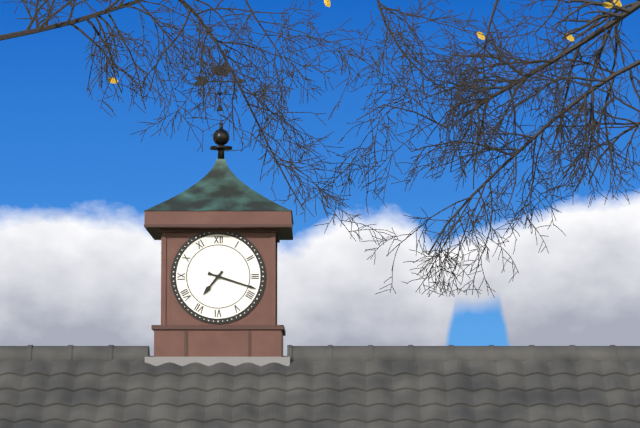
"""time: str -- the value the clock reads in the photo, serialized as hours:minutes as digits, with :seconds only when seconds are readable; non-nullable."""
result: 7:18
